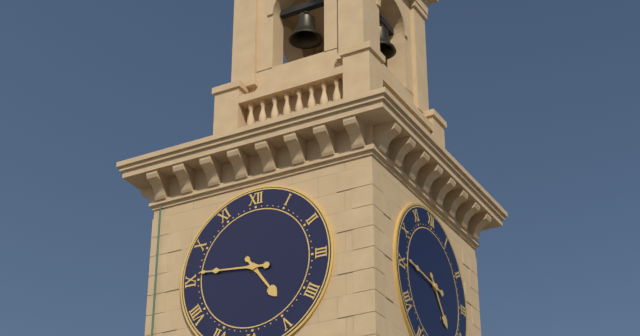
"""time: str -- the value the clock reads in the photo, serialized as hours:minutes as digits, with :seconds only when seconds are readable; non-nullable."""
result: 4:46
